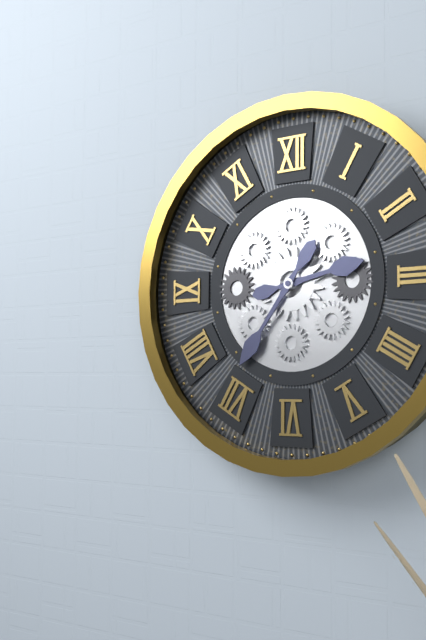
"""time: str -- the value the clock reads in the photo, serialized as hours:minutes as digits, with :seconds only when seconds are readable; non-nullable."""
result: 2:36
